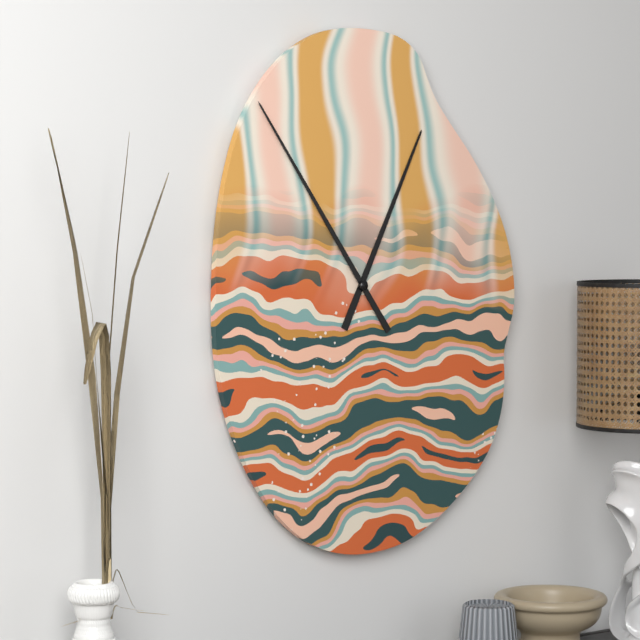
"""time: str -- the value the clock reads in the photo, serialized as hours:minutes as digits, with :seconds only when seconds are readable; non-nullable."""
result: 12:54
